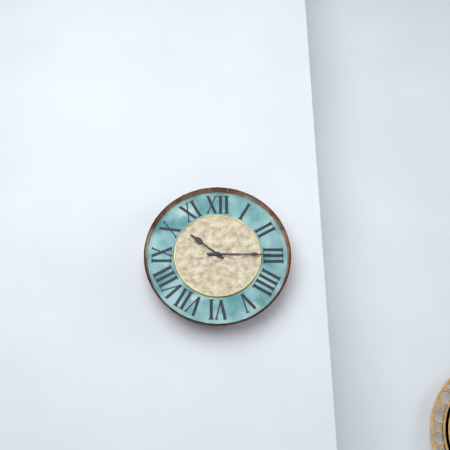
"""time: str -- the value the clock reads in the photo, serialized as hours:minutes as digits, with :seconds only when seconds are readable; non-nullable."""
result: 10:15
